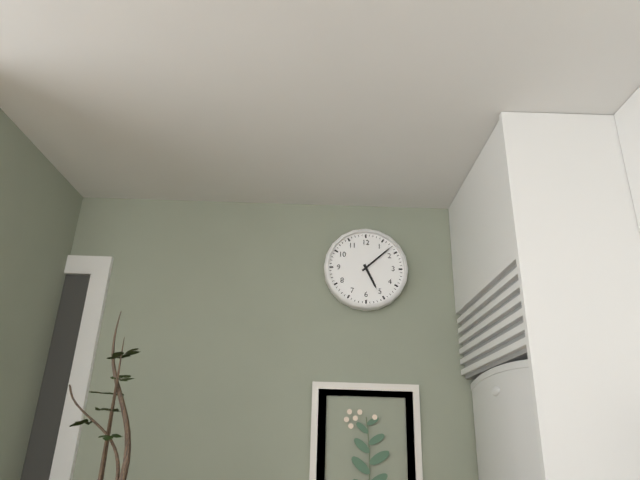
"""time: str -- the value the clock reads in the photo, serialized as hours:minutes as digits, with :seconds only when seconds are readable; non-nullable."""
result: 5:08
